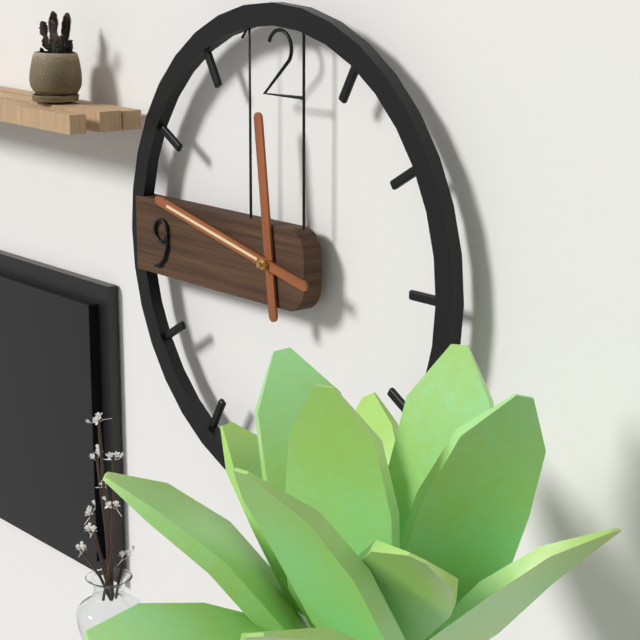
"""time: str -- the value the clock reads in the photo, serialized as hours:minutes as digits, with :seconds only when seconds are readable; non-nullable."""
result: 11:47
